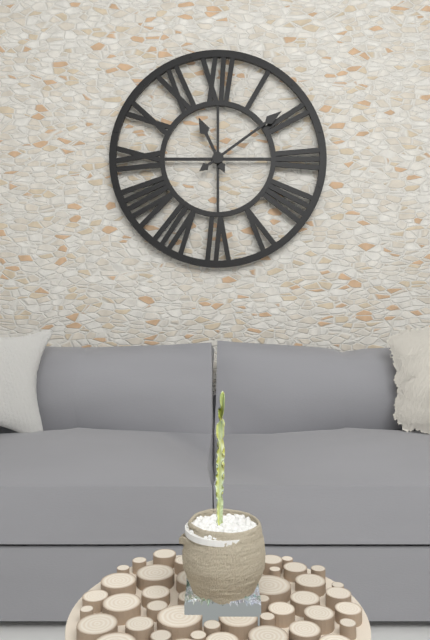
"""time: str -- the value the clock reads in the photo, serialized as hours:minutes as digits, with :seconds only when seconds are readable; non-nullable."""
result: 11:09
